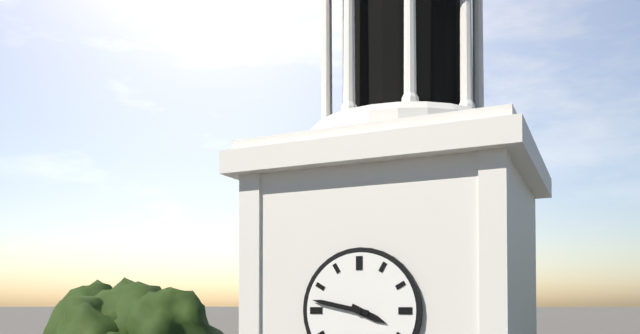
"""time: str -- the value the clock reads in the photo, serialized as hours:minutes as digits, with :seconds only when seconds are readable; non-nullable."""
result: 3:47
